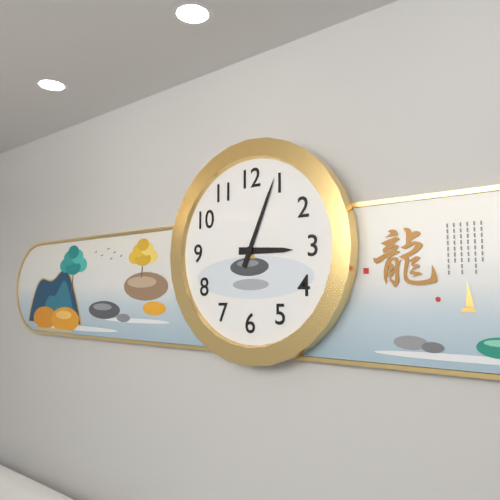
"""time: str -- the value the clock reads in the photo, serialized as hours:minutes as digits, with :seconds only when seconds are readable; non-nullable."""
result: 3:04
